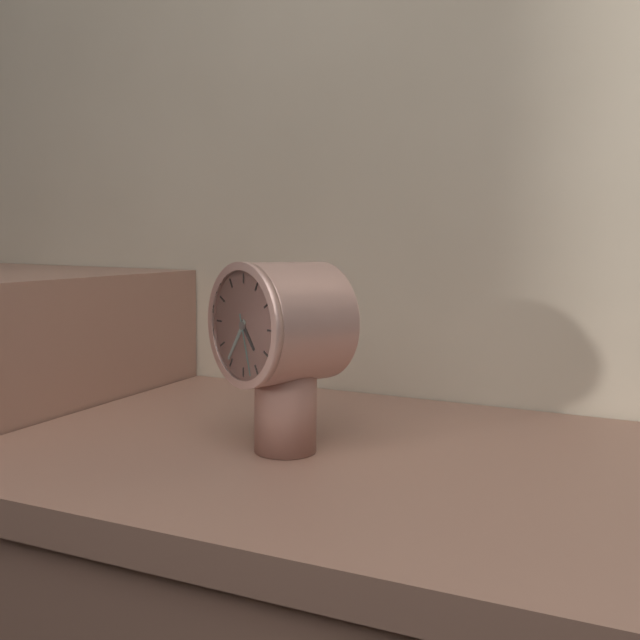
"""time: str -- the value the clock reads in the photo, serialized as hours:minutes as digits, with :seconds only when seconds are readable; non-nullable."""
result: 4:36:27
